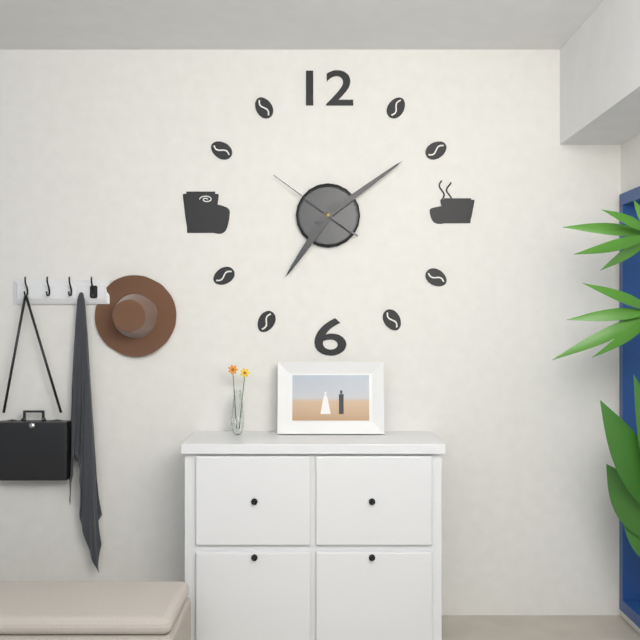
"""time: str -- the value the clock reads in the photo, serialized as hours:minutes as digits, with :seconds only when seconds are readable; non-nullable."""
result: 7:09:51
